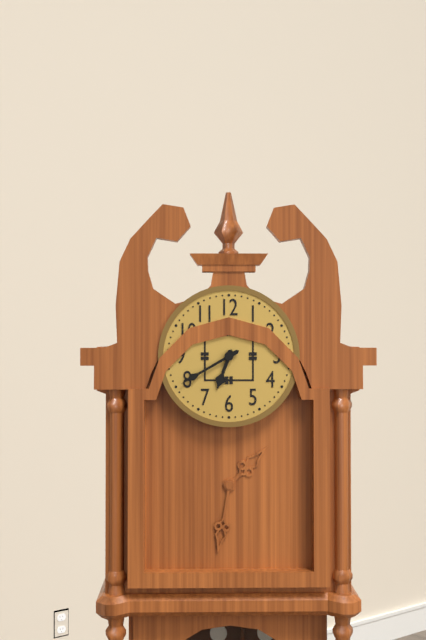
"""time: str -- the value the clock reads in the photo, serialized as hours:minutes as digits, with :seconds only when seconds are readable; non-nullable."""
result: 6:40
